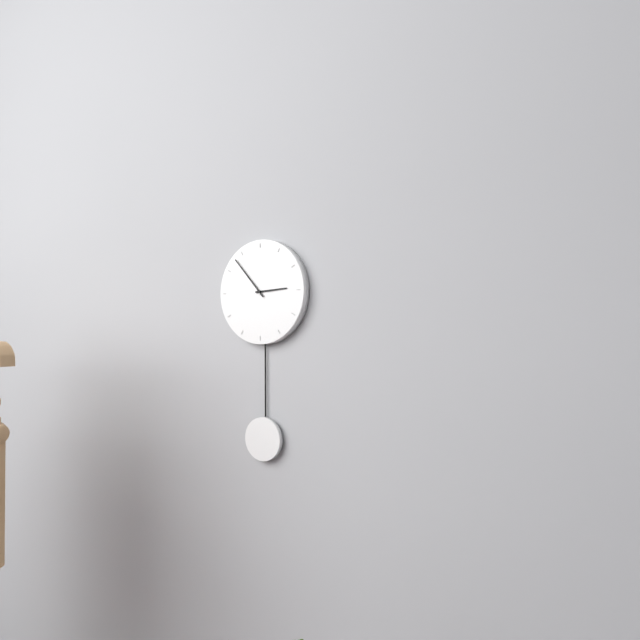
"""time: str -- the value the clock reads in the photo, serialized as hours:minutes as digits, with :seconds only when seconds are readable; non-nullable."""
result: 2:53
